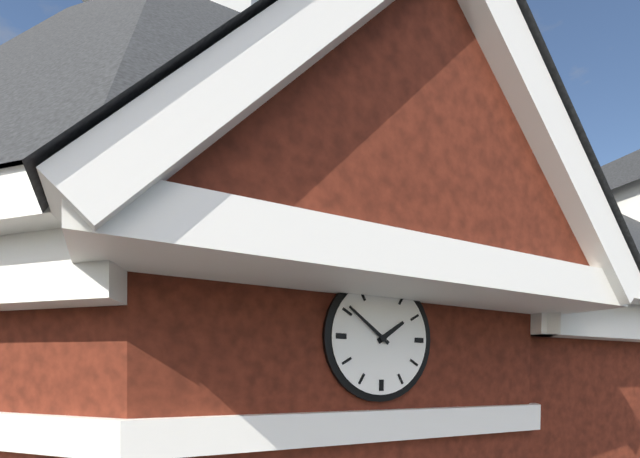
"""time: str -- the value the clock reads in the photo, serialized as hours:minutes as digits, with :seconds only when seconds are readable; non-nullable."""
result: 1:51
